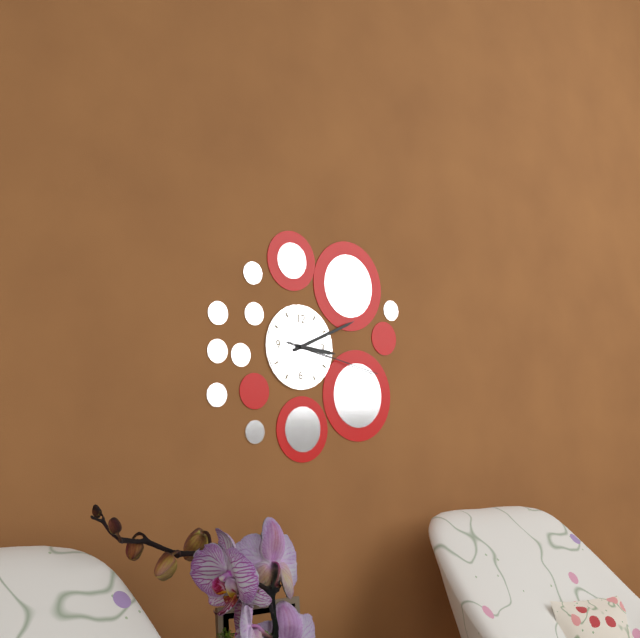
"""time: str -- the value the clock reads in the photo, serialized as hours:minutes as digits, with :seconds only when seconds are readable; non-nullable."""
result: 3:11:17
